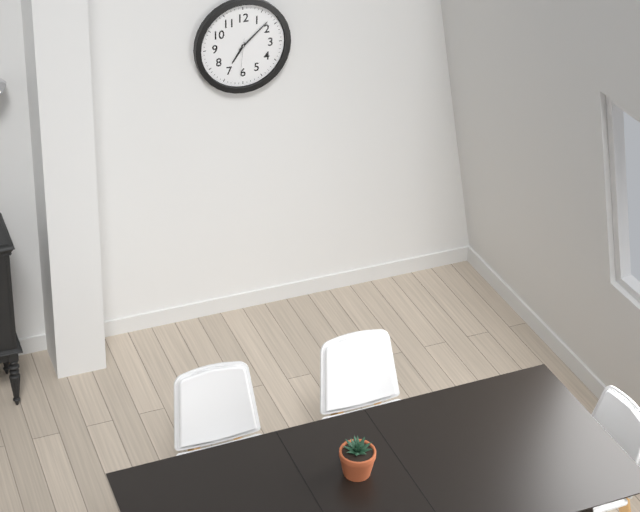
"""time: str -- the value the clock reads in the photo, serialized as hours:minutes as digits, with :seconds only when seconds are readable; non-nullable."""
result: 7:08
